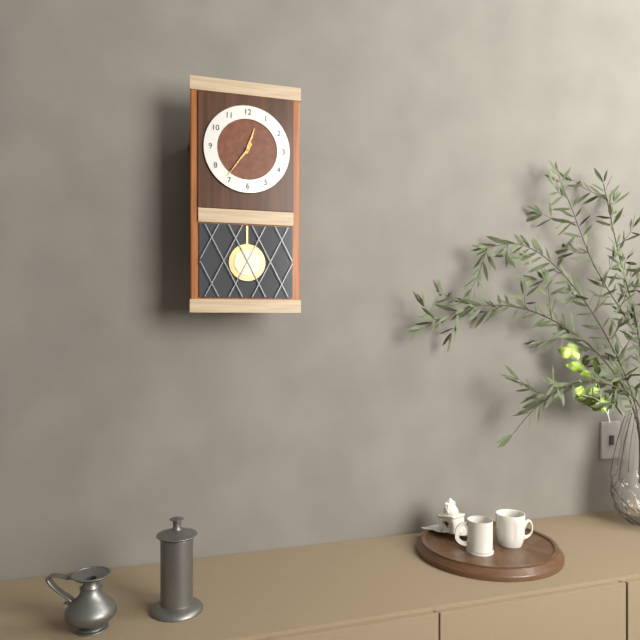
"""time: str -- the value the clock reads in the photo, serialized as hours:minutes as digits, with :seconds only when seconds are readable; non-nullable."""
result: 12:36
